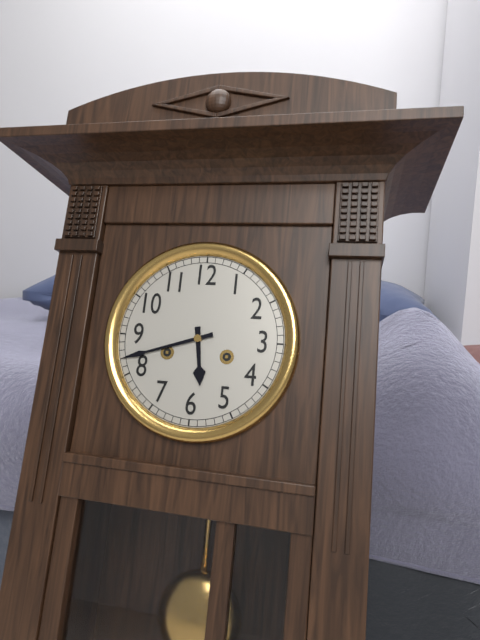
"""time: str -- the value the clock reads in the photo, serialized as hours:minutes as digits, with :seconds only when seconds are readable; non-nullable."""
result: 5:42
